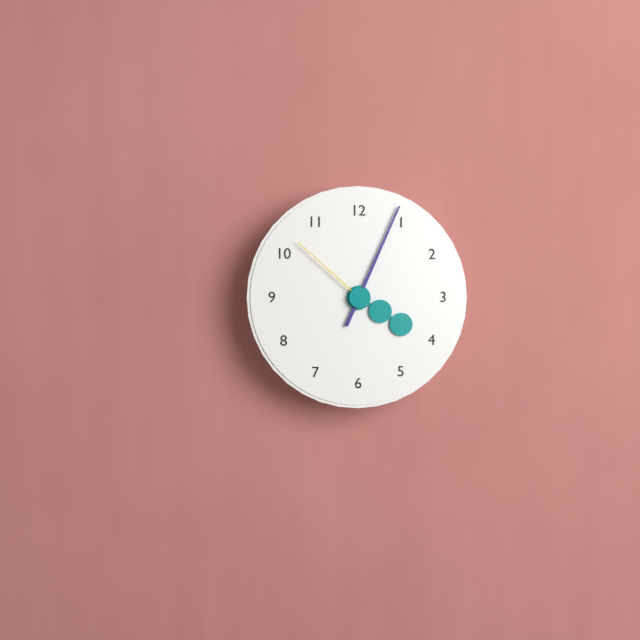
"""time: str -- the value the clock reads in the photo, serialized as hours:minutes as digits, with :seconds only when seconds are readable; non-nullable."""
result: 4:04:52
